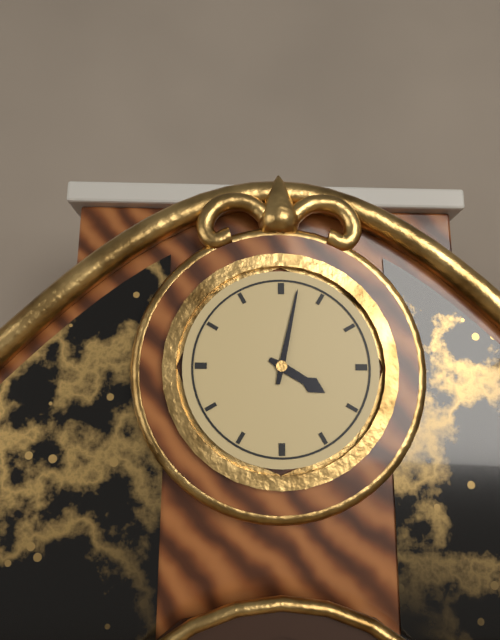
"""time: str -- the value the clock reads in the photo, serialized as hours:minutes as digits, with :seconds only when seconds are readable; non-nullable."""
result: 4:02
